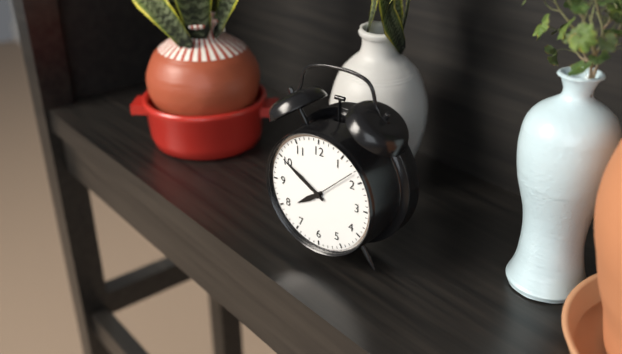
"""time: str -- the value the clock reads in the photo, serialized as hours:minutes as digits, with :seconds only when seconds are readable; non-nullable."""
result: 7:50:08
